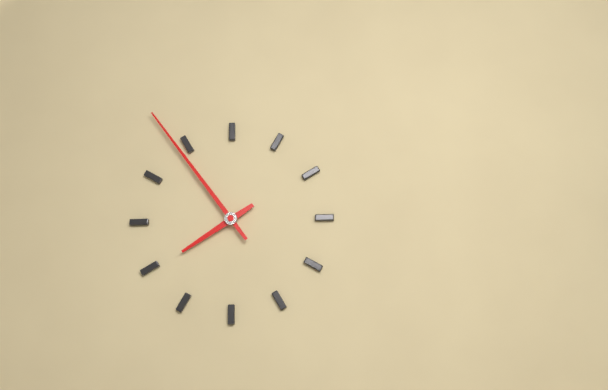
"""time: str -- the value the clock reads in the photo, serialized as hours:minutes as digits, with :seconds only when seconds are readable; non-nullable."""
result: 7:54
